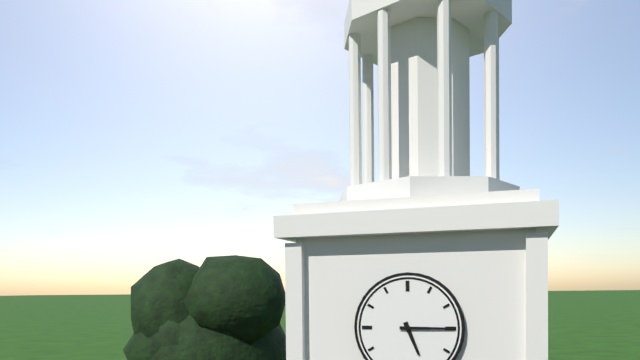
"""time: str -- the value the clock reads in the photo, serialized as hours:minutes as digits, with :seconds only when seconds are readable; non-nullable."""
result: 5:15
